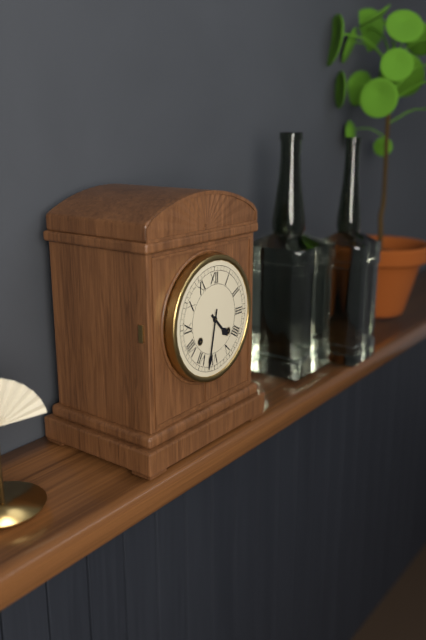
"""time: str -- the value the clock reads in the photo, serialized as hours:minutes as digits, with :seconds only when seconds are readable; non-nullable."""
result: 4:32
